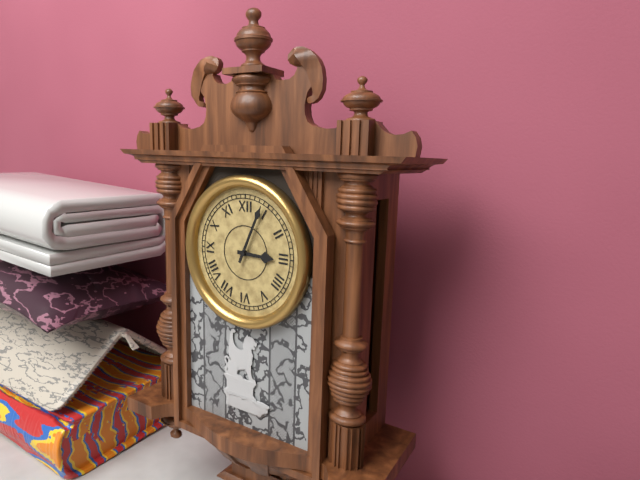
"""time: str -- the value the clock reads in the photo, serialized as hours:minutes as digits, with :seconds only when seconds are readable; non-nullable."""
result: 3:04
